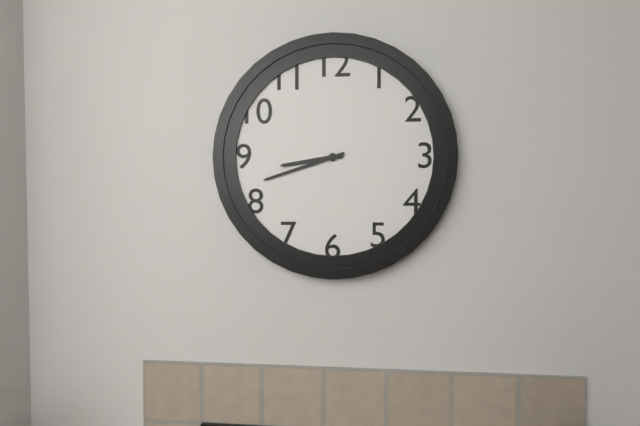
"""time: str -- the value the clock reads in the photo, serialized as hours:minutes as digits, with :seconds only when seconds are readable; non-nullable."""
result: 8:42
